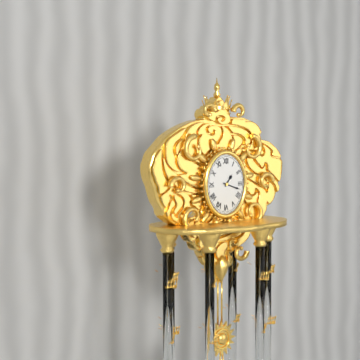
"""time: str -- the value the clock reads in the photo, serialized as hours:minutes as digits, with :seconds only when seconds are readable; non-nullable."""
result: 1:18
